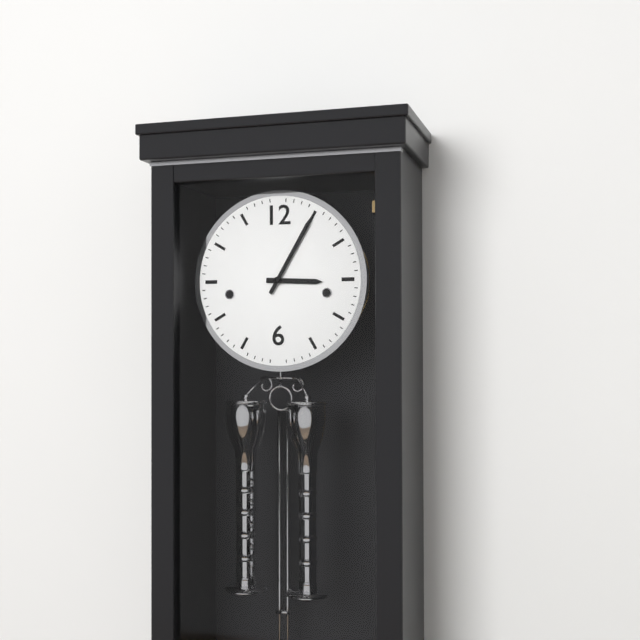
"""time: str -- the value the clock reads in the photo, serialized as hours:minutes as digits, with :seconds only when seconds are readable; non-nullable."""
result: 3:05
